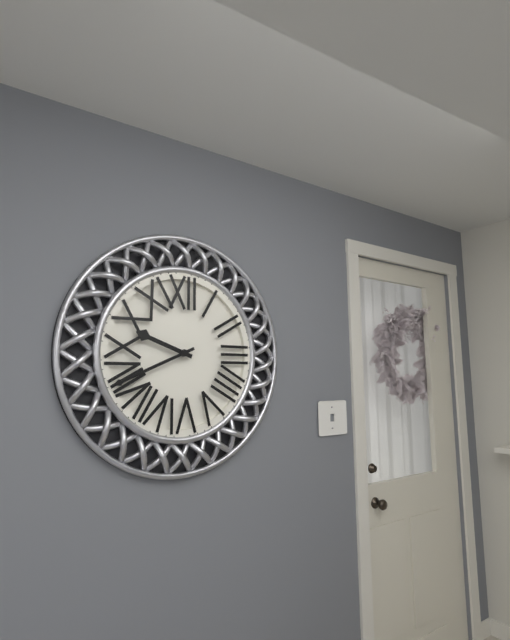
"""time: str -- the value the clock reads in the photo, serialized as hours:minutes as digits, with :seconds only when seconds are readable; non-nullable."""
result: 9:41
